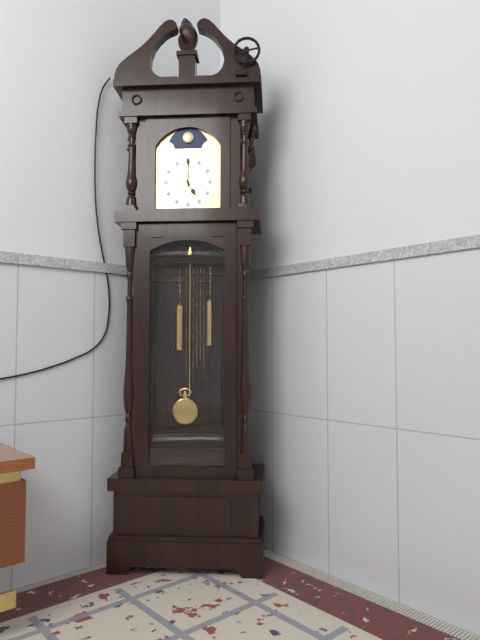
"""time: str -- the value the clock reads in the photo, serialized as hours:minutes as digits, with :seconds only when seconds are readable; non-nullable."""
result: 5:00
